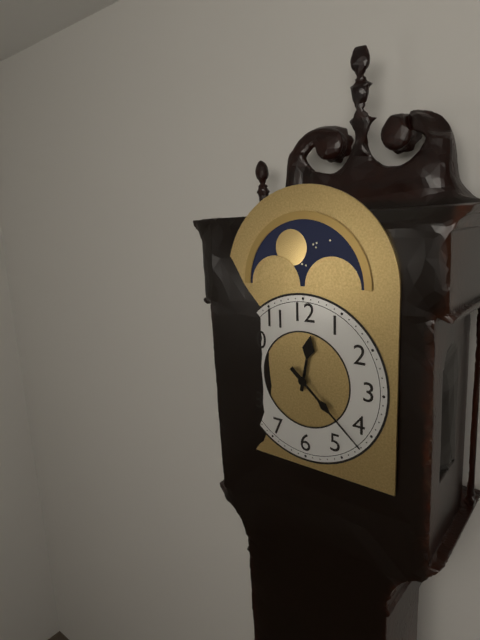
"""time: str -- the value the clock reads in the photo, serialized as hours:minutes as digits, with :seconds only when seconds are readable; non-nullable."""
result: 12:22
